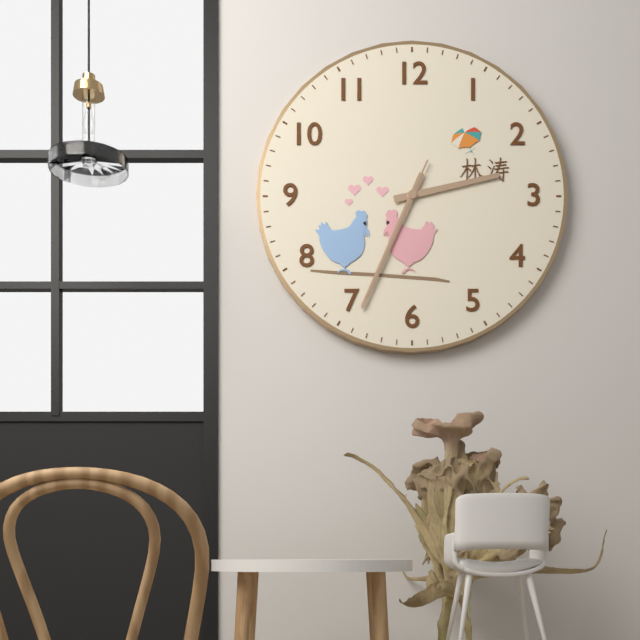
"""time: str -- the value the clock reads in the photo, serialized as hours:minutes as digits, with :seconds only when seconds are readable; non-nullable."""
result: 2:34:34
